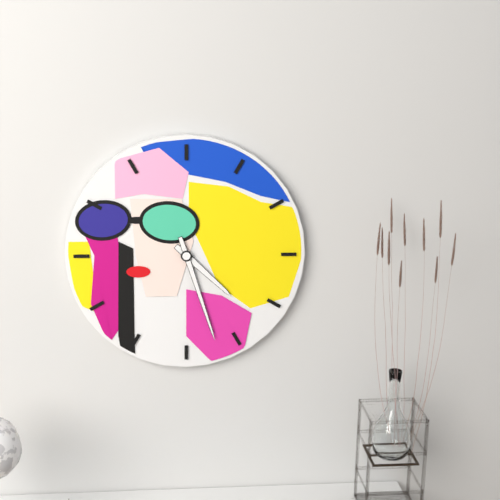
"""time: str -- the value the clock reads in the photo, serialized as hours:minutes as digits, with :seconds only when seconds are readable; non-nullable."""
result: 4:27
